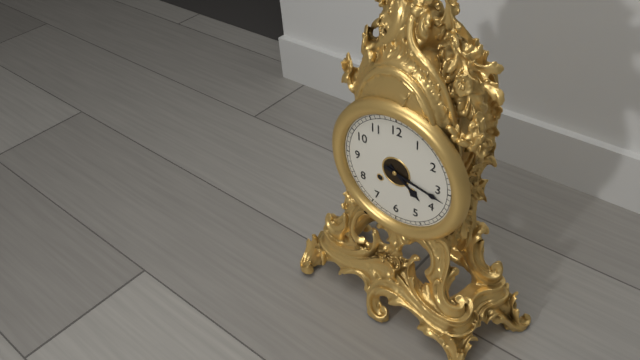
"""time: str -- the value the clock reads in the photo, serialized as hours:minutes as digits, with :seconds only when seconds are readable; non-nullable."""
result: 4:17
